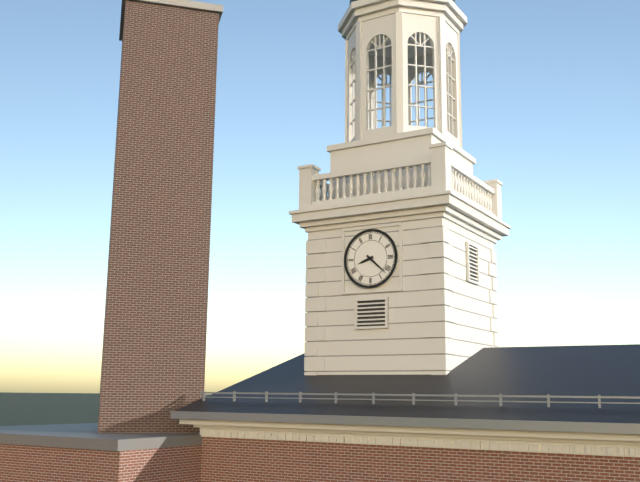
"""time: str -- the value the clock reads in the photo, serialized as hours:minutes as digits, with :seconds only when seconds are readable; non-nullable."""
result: 8:22
